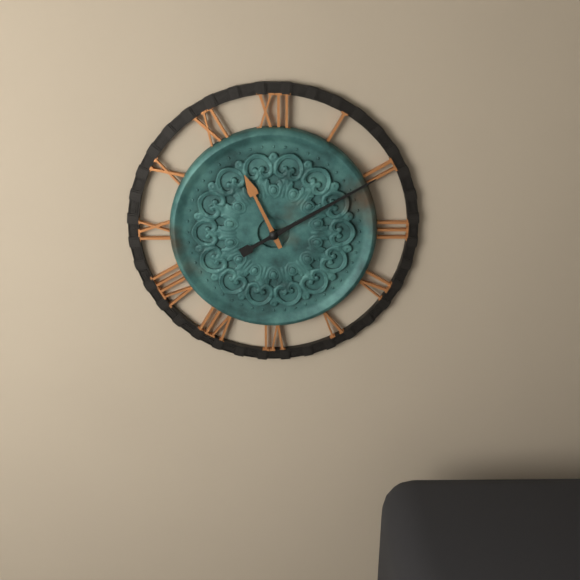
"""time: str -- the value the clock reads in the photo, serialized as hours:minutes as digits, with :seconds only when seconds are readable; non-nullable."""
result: 11:10
